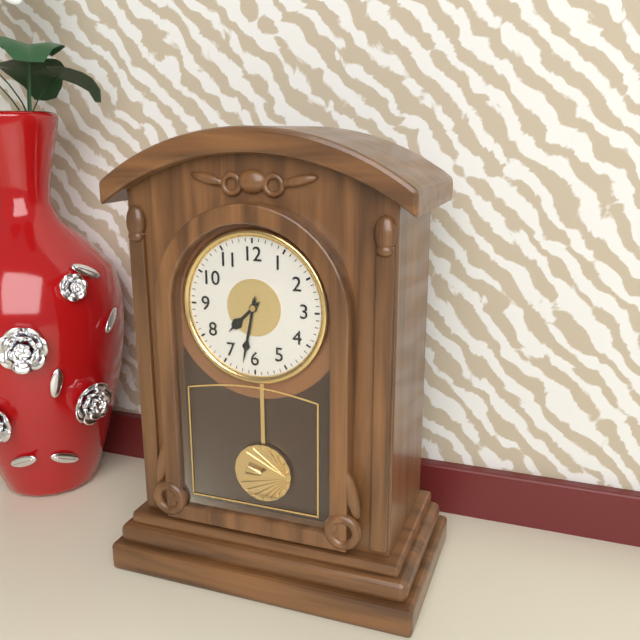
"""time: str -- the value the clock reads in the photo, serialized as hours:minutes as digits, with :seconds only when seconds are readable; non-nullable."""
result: 7:32
